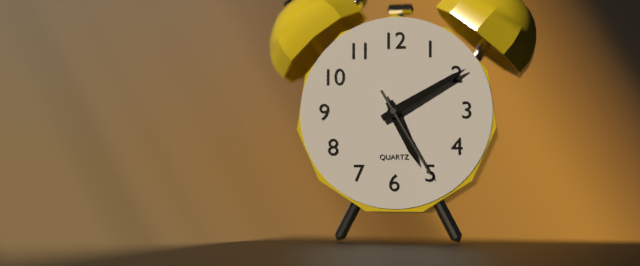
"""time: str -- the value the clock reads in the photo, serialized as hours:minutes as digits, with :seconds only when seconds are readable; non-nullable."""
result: 5:10:25
